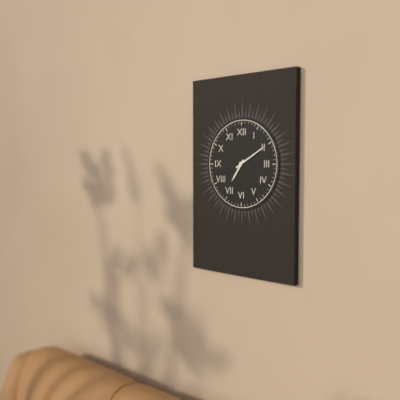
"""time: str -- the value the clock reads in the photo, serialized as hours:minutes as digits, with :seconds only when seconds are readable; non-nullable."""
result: 7:10
